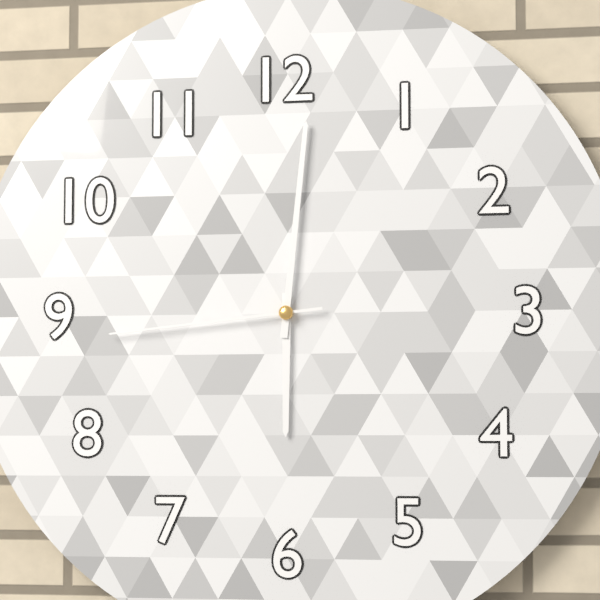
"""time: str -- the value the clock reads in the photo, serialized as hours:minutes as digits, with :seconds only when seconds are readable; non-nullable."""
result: 6:01:44
